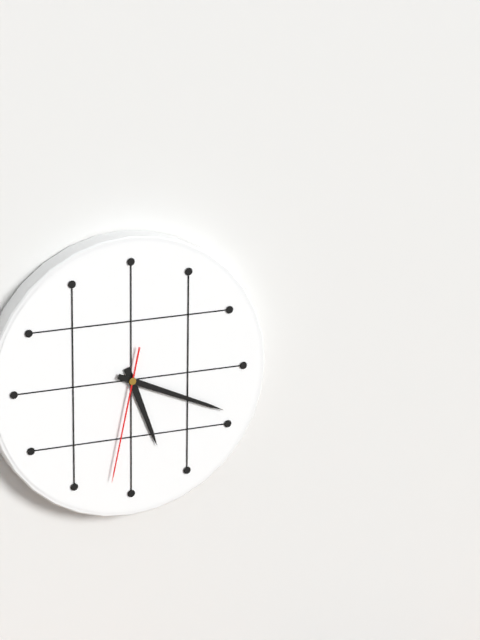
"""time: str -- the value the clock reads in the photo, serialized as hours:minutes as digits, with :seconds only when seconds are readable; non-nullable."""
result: 5:19:32
